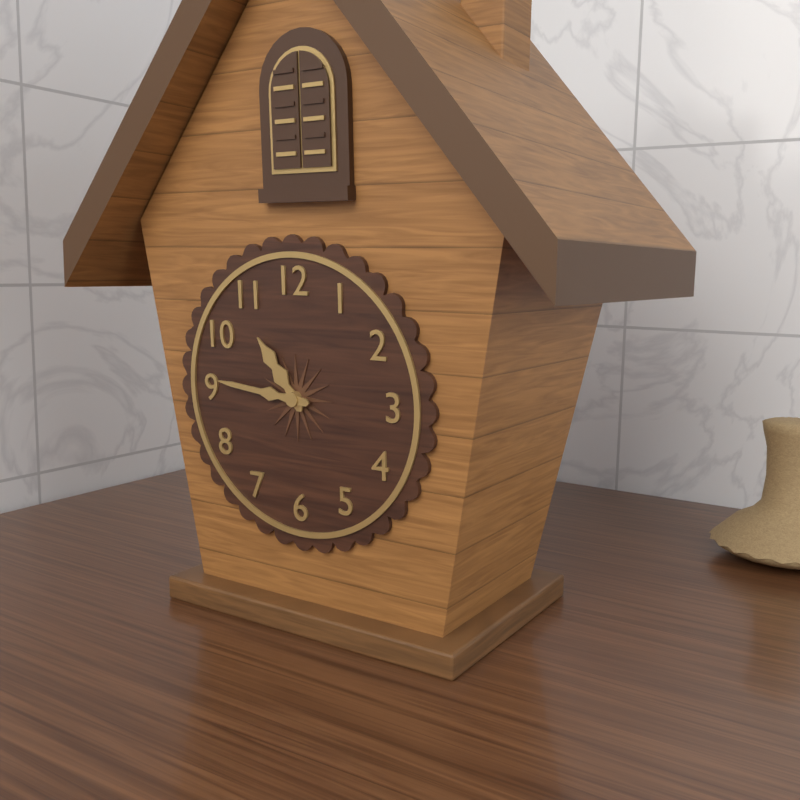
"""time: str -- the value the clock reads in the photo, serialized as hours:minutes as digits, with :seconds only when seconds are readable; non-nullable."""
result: 10:46
